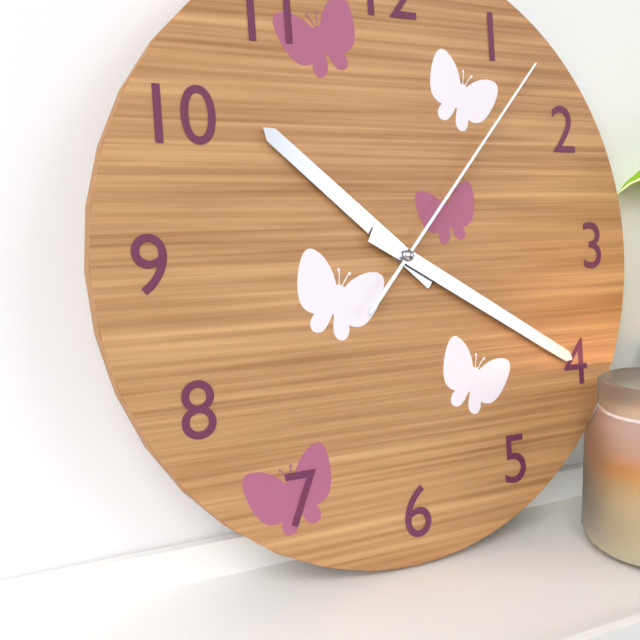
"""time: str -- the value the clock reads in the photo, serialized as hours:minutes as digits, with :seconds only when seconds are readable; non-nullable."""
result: 10:20:07
